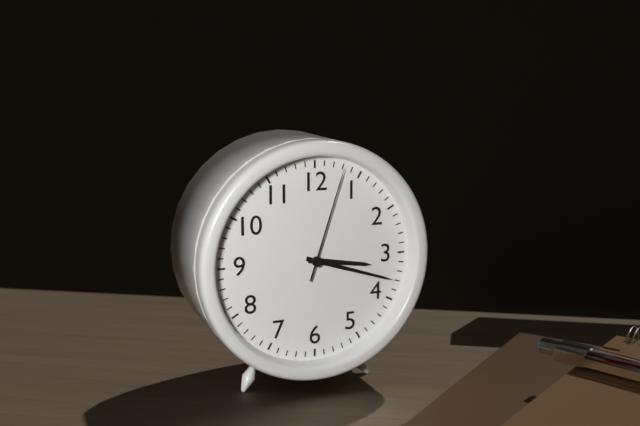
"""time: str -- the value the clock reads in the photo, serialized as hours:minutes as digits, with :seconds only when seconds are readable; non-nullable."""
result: 3:18:03
